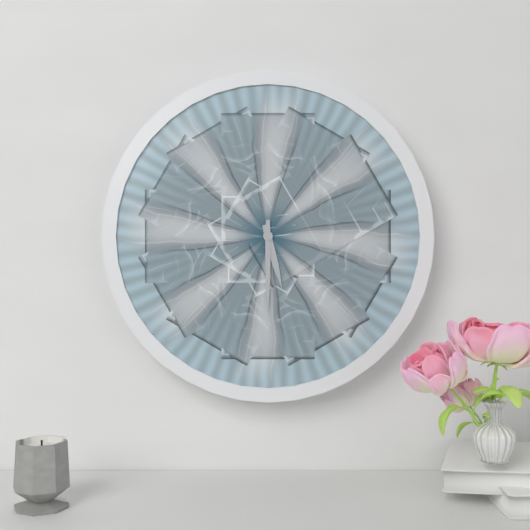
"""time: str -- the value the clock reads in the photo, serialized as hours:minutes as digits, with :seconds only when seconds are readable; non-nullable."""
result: 5:30
